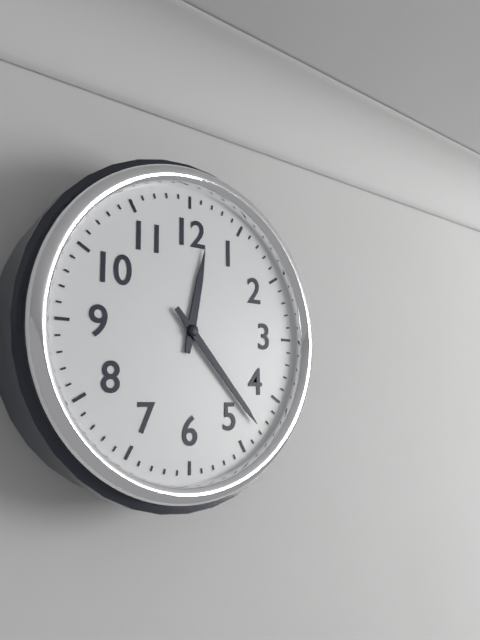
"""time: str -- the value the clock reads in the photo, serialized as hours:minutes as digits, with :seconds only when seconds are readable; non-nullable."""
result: 12:23
